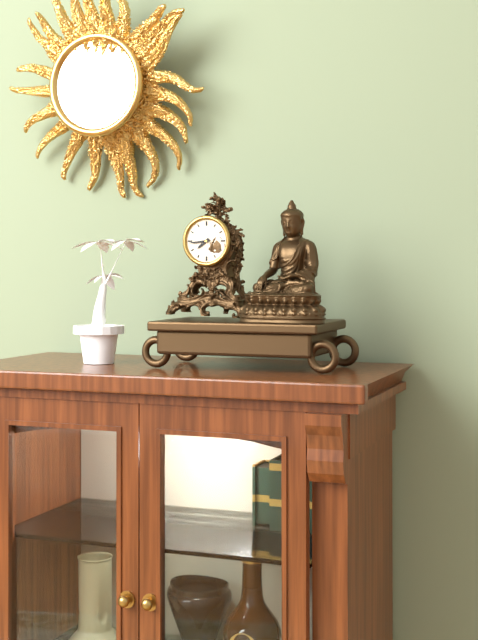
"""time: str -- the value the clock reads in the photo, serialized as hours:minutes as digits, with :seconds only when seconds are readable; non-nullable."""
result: 7:44
